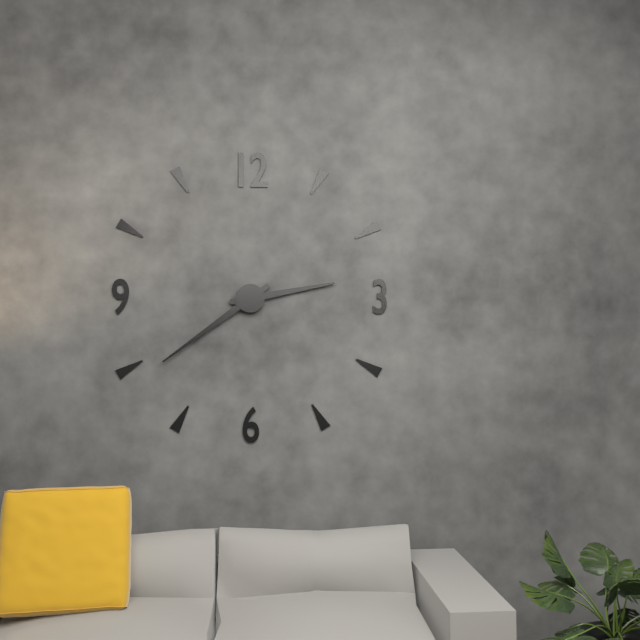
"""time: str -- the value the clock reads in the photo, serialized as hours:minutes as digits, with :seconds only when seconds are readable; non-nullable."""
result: 2:39
